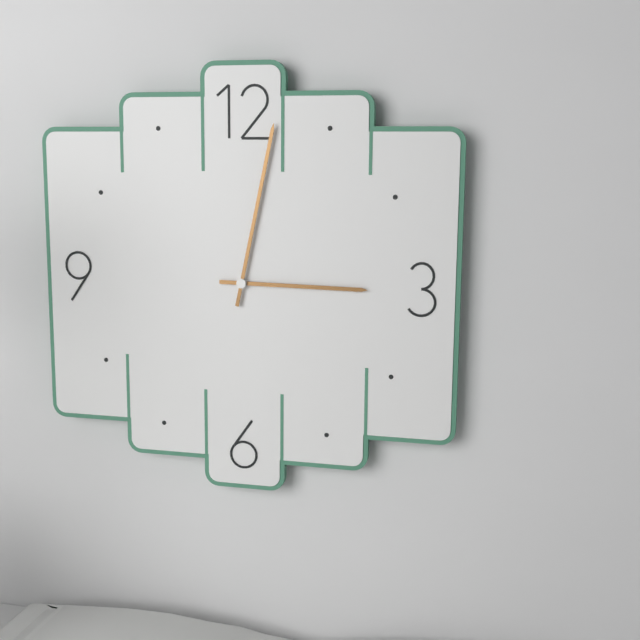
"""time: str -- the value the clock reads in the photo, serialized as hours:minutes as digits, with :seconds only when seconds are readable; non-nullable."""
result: 3:02
